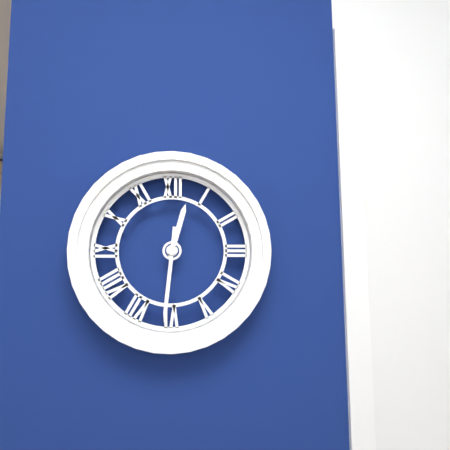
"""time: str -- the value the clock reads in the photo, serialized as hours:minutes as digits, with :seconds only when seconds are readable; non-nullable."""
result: 12:31
